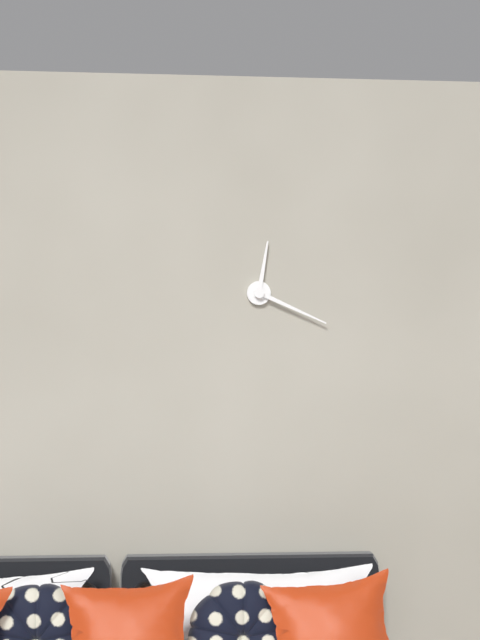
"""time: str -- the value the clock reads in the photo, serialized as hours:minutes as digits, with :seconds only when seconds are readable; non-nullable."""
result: 12:19
